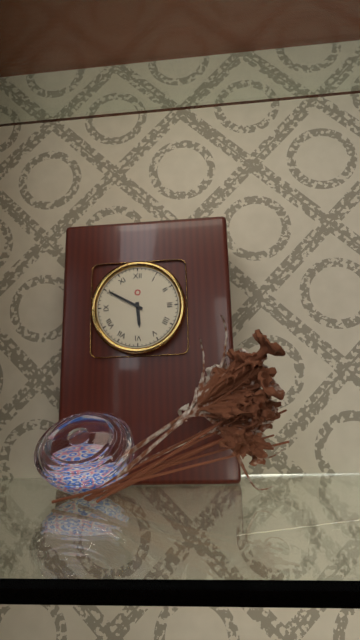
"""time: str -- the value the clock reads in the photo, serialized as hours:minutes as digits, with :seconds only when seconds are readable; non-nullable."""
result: 5:50
